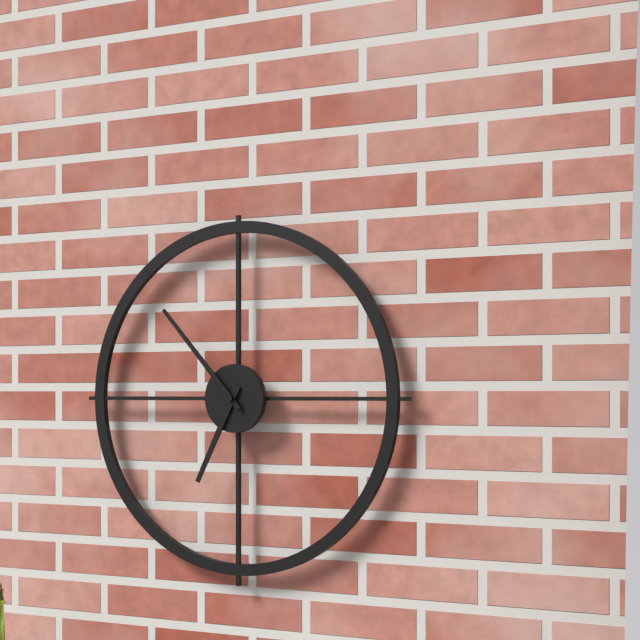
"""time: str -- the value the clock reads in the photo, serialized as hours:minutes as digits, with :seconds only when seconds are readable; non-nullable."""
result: 6:53
